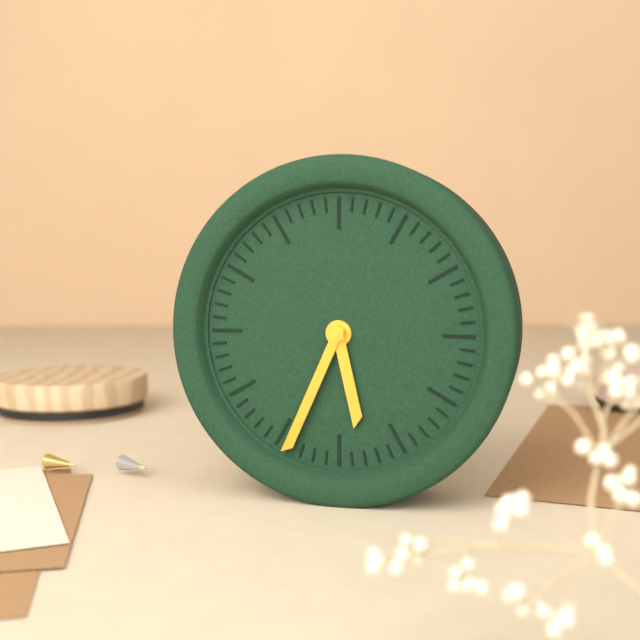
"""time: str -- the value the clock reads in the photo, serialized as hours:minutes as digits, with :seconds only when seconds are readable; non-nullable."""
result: 5:34
